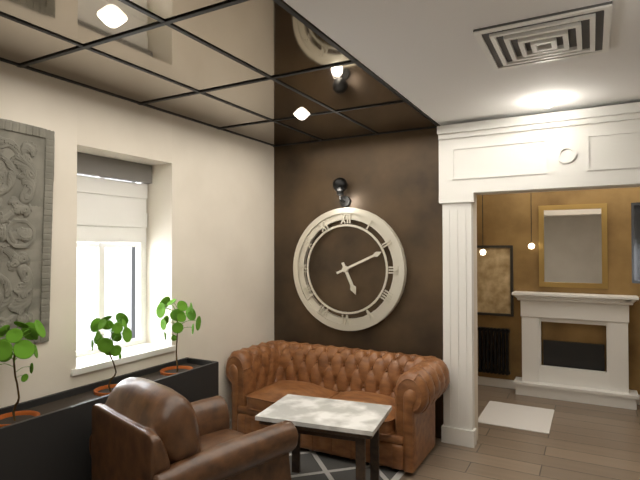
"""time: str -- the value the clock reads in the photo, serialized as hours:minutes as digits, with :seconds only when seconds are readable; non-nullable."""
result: 5:11
